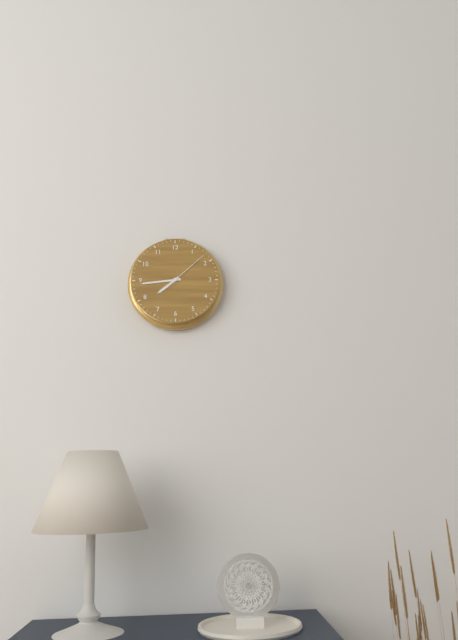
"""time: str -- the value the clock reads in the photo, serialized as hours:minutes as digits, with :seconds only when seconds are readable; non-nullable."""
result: 7:44
